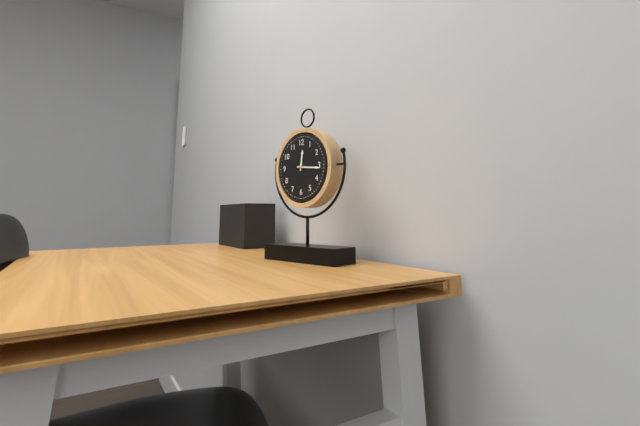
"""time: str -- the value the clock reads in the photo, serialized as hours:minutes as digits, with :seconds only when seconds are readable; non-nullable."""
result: 12:16
